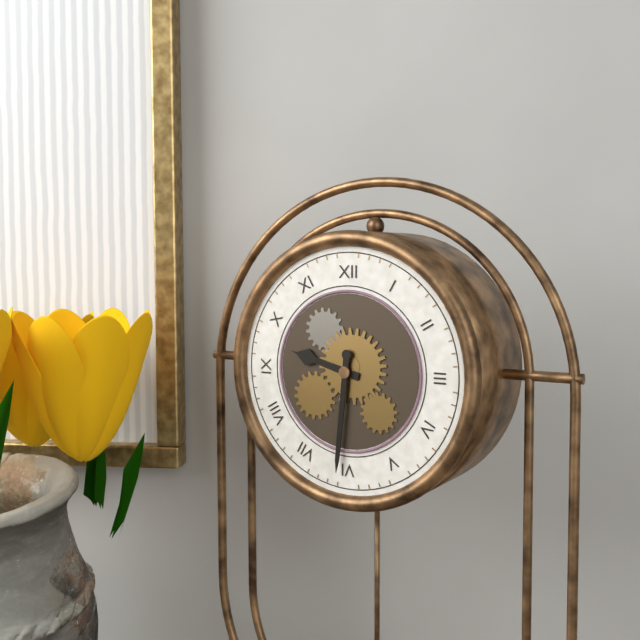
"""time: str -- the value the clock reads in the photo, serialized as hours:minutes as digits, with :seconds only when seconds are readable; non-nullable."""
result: 9:31
